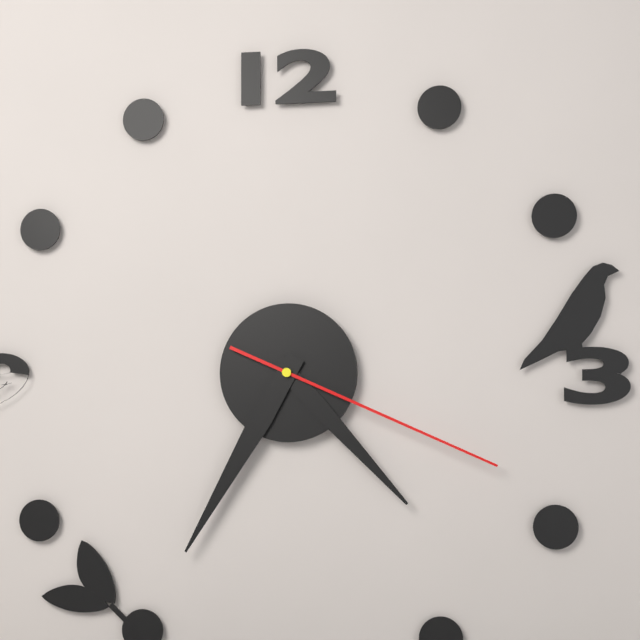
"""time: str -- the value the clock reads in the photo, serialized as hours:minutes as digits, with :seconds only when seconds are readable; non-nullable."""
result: 4:35:19
